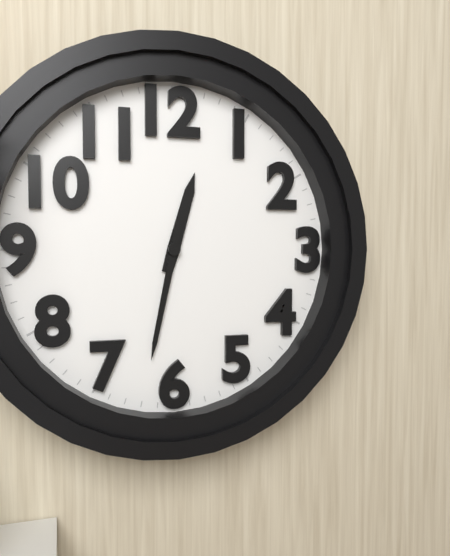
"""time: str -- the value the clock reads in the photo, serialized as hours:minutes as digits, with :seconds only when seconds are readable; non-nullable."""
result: 12:32
